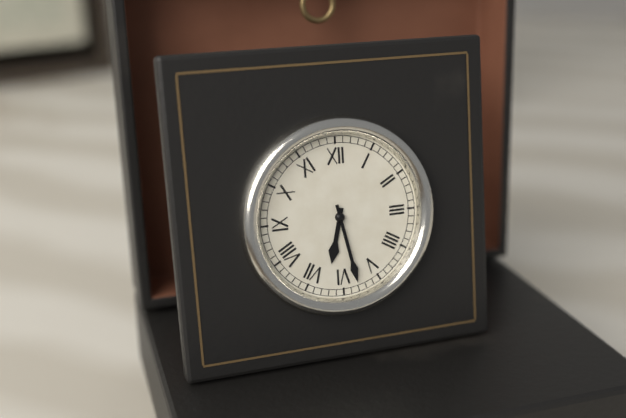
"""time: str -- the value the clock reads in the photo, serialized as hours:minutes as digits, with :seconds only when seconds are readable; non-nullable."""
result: 6:28
